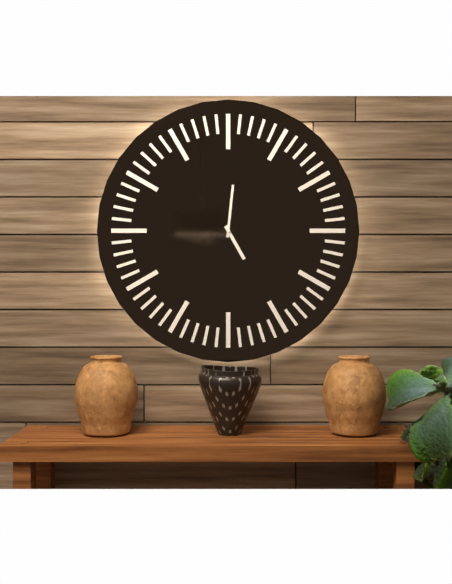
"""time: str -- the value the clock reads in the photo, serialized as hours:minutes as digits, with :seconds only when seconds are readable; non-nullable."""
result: 5:01
